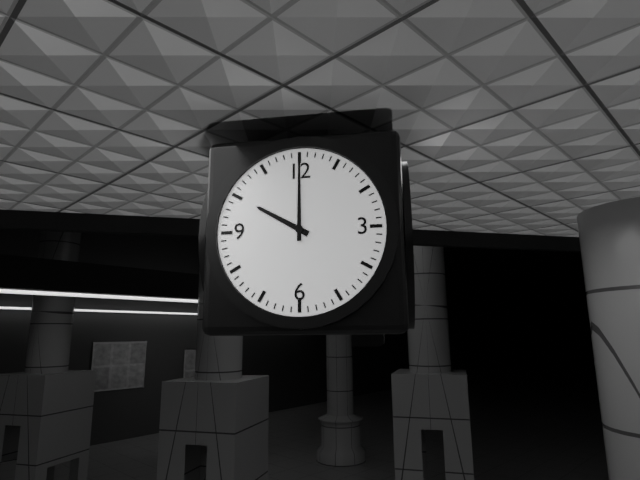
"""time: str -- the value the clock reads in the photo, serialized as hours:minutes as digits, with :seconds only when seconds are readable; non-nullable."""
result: 10:00
